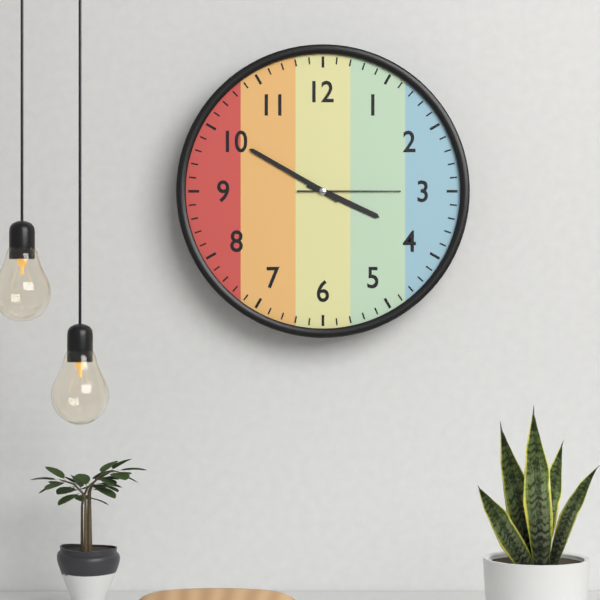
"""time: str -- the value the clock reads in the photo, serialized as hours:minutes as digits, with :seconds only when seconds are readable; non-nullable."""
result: 3:50:15
